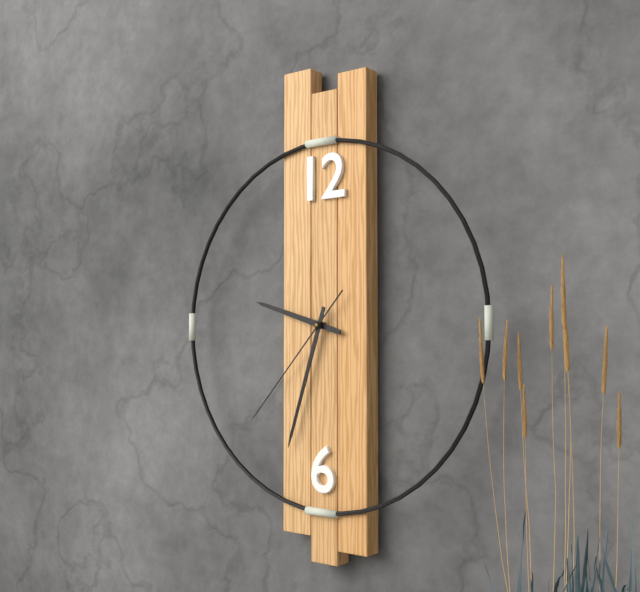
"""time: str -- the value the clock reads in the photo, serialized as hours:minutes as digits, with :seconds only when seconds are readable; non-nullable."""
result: 9:33:37
